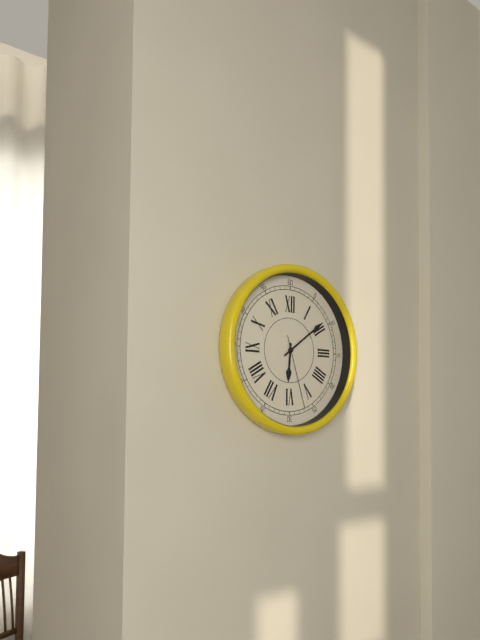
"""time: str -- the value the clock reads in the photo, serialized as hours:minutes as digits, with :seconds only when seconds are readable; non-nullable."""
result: 6:09:27
